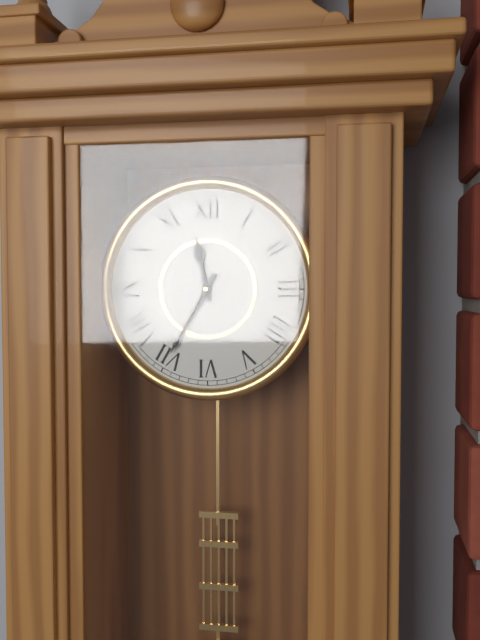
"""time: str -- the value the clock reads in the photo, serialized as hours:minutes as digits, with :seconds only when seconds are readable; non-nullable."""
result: 11:35
